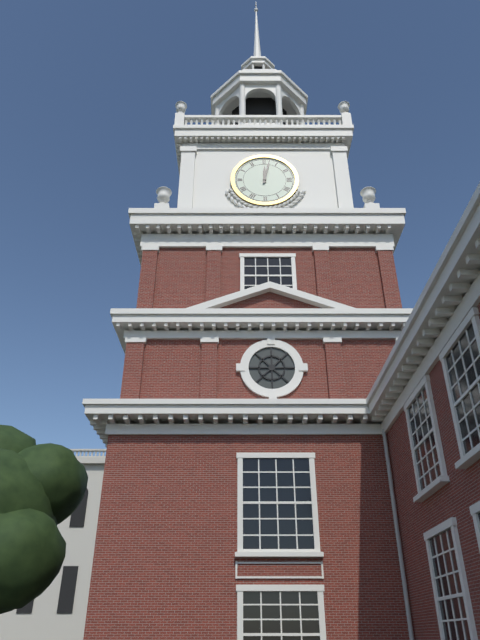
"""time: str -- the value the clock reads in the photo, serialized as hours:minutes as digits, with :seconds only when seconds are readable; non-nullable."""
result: 12:02
